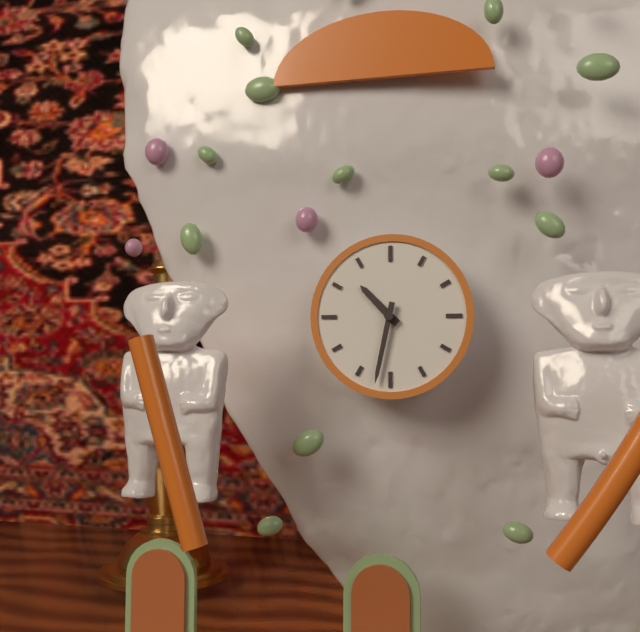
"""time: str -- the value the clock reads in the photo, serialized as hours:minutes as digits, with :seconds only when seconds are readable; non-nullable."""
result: 10:32
